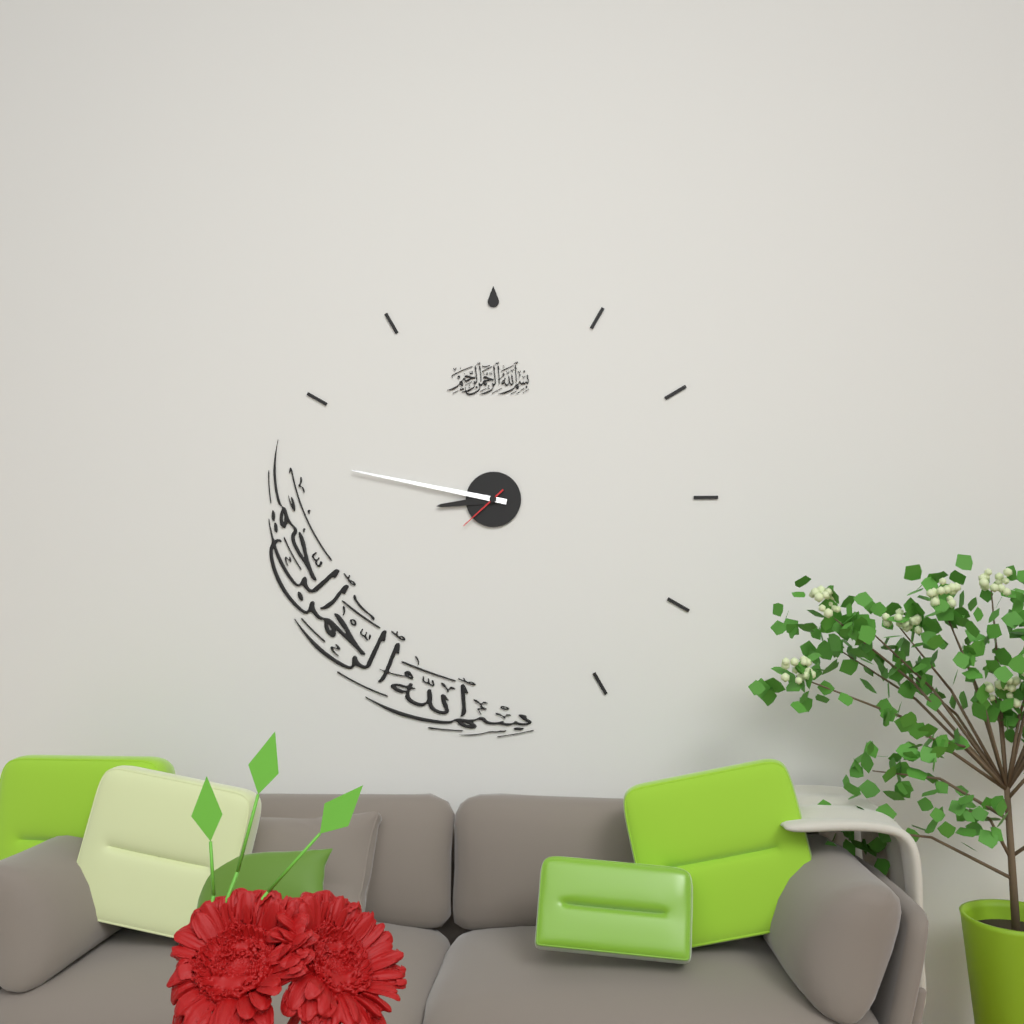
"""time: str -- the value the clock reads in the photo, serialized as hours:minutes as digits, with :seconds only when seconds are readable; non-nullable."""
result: 8:47:38
